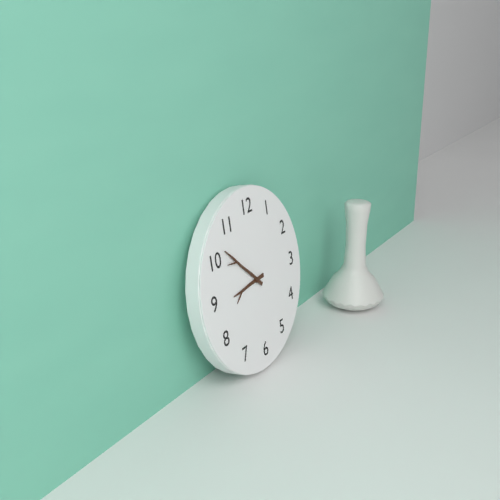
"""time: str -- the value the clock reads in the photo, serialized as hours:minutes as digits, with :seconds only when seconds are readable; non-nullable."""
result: 8:52
